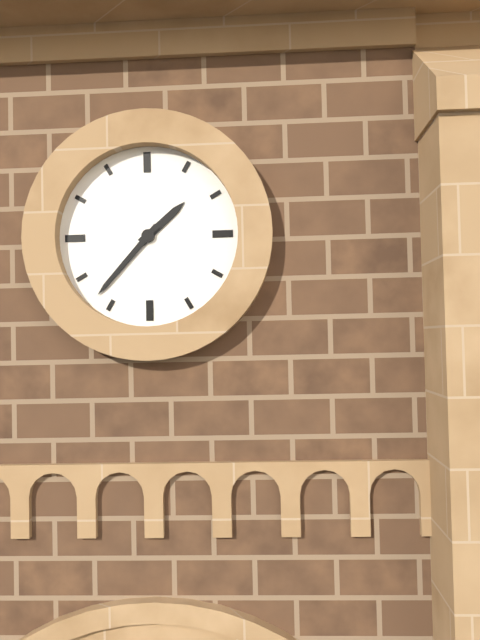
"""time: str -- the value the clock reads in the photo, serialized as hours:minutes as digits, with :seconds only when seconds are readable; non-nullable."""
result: 1:37
